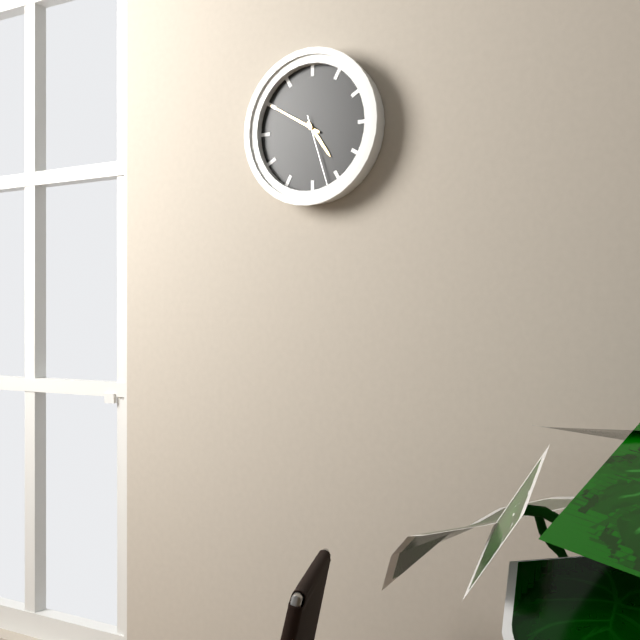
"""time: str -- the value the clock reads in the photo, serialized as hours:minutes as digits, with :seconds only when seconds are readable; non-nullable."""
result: 4:50:27
